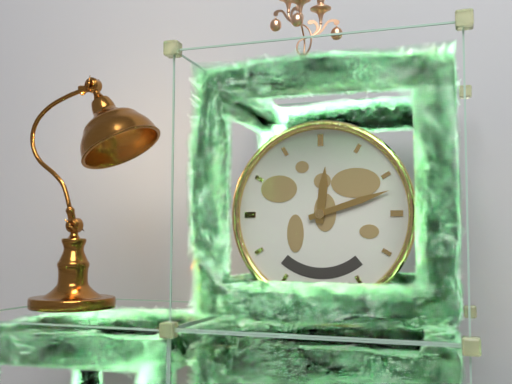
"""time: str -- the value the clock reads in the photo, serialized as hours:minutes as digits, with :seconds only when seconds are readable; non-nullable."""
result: 12:12
